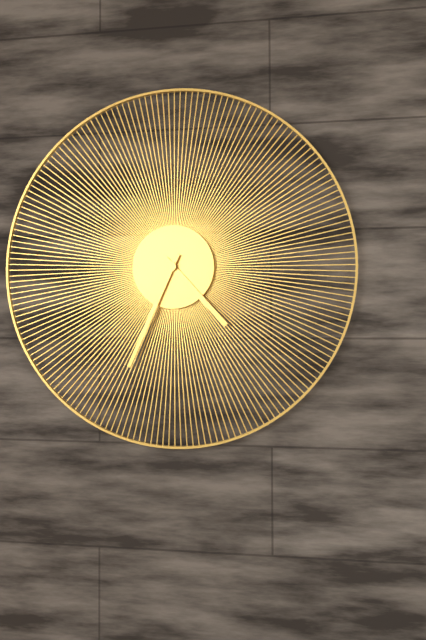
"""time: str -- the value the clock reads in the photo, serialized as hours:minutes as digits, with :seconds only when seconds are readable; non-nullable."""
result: 4:34
